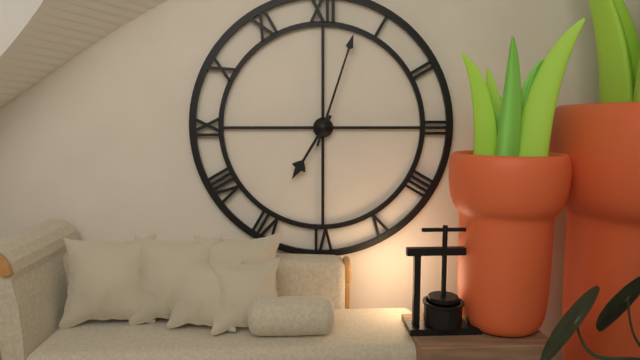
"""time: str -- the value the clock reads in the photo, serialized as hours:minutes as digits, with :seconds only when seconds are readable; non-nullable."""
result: 7:03
